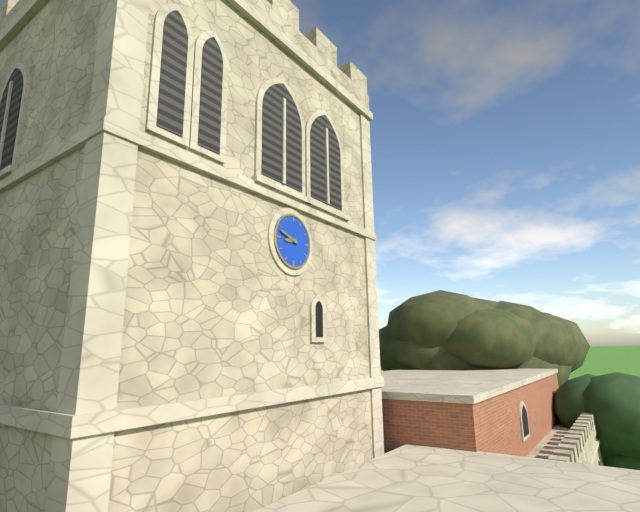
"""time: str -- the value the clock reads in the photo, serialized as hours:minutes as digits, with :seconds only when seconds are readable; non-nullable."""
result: 8:48
